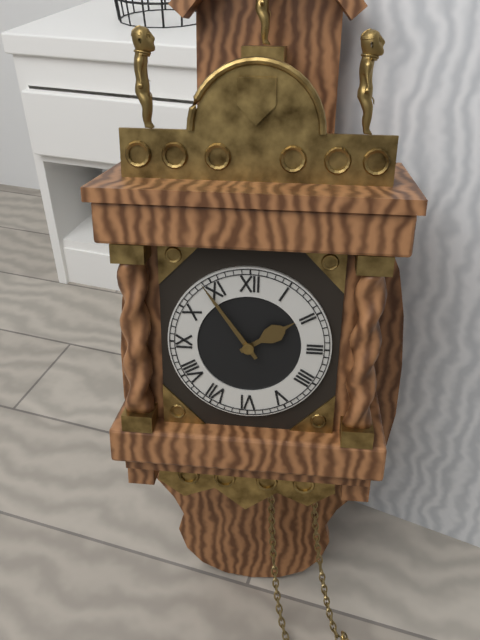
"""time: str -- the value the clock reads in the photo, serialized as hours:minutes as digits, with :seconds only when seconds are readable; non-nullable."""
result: 1:54
